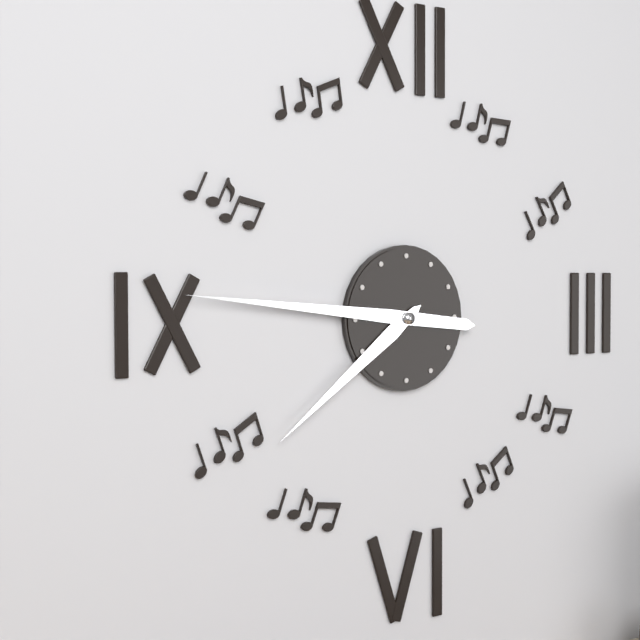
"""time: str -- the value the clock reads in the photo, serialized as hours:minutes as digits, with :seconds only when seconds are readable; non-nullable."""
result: 7:46
